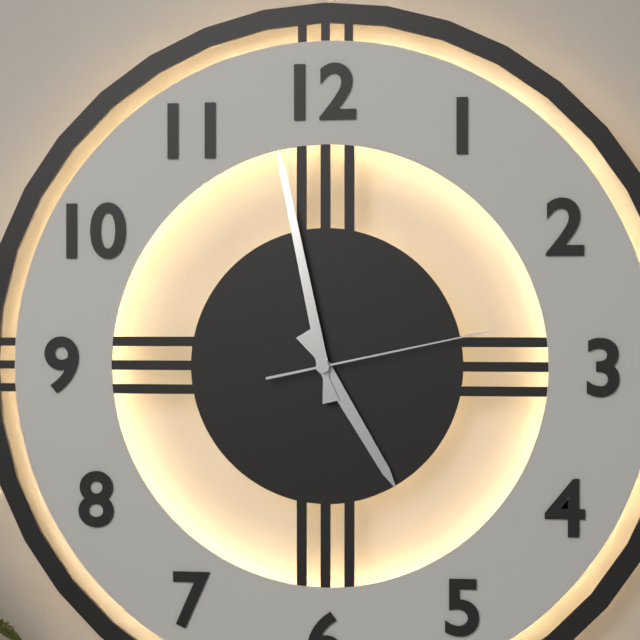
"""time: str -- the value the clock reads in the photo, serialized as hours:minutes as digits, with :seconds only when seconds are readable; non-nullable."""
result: 4:58:13
